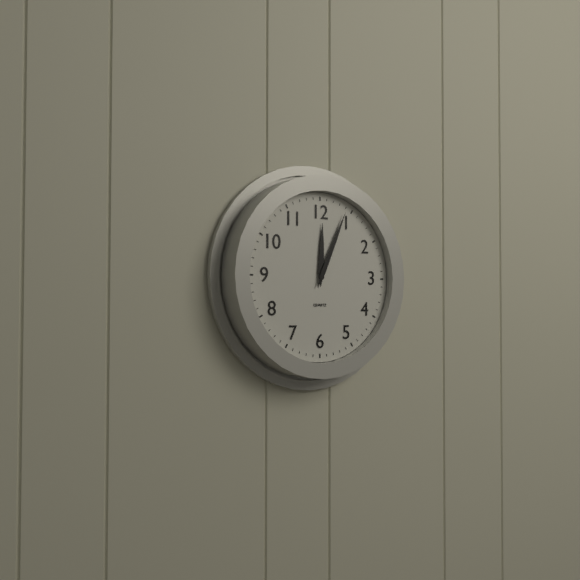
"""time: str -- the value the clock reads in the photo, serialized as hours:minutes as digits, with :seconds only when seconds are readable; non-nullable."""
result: 12:04
